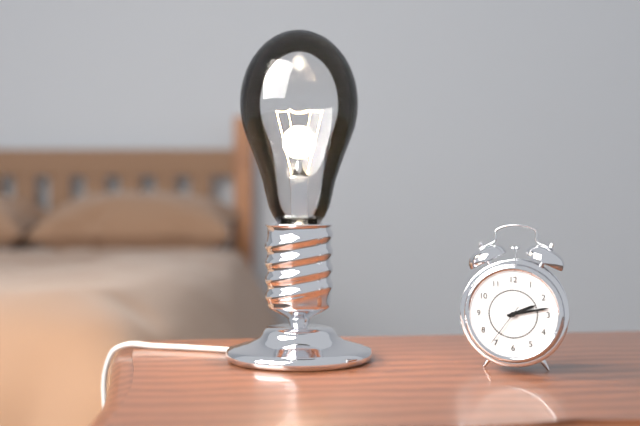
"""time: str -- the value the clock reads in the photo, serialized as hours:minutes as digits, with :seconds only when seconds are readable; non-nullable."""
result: 2:13
